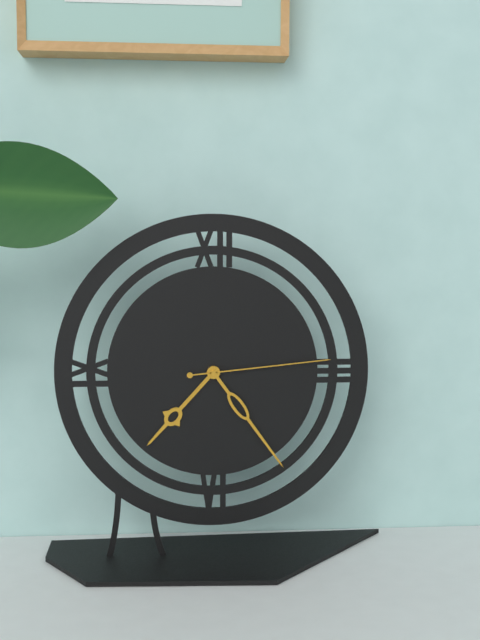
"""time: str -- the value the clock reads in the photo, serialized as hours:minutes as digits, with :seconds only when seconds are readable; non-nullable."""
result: 7:24:14
